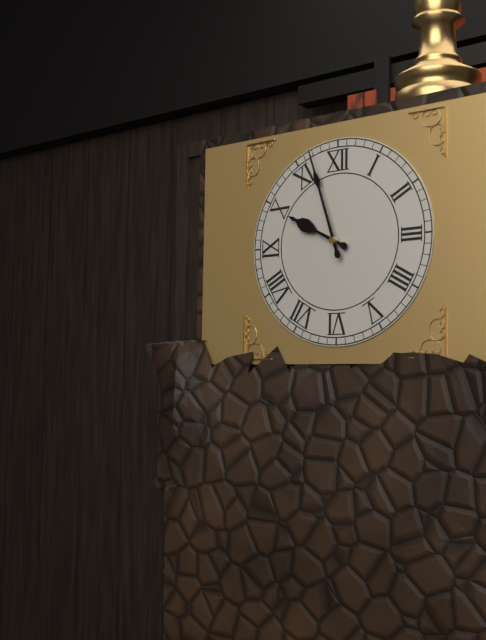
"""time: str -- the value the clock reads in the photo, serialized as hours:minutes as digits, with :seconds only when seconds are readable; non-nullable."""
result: 9:57
